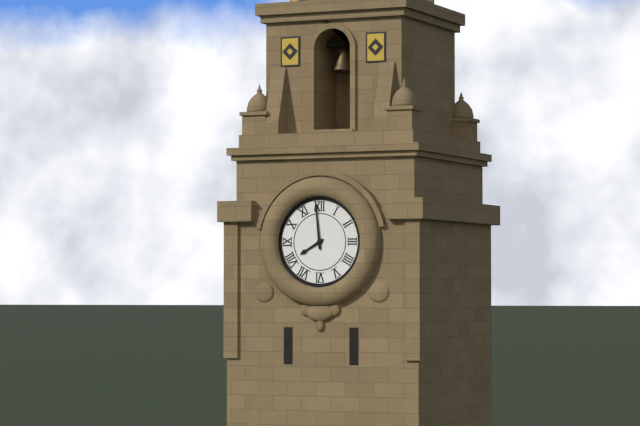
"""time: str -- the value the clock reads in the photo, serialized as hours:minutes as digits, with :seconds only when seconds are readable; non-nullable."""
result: 7:59
